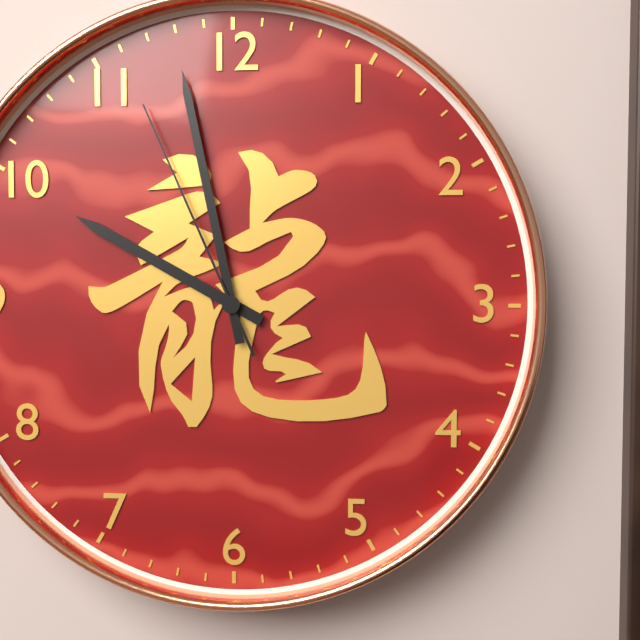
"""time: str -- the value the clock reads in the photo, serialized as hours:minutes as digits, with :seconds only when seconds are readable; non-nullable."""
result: 9:58:56
